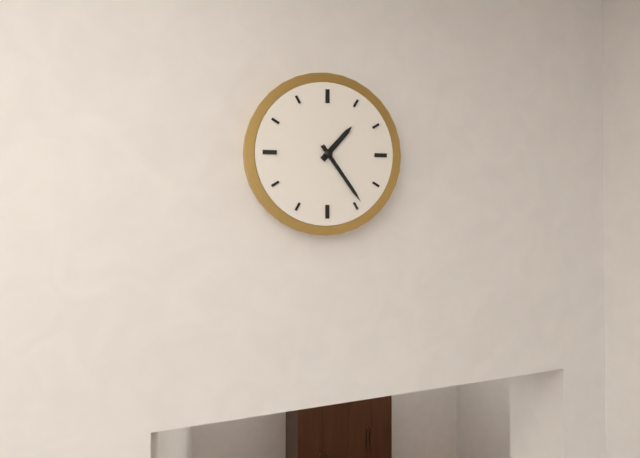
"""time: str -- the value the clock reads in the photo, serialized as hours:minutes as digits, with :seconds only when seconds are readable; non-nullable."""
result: 1:24
